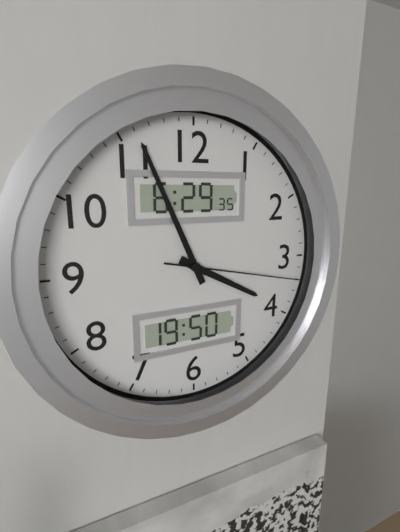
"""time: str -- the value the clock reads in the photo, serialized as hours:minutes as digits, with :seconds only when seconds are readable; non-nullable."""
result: 3:56:17
